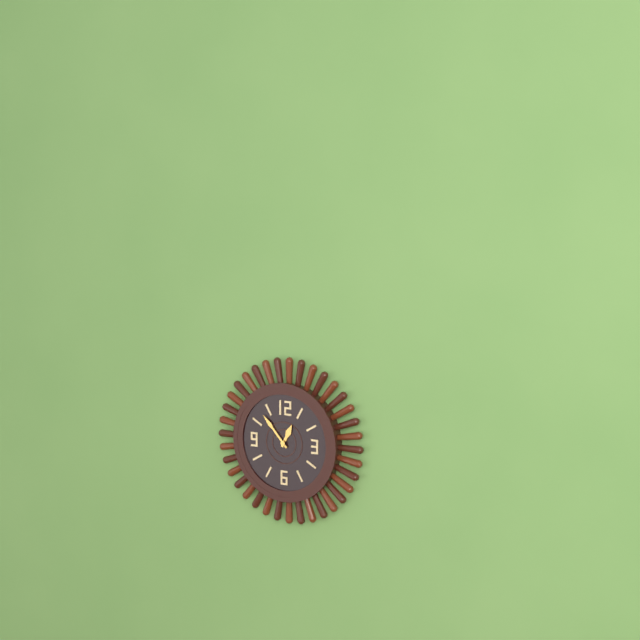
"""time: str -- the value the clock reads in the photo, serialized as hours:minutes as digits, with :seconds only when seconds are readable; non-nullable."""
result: 12:53
